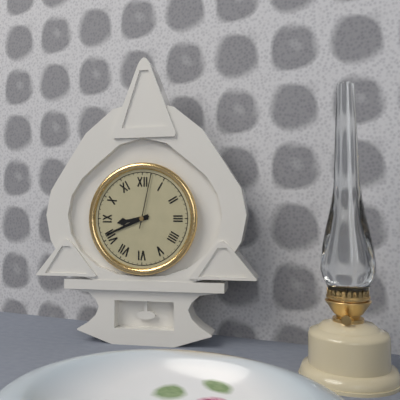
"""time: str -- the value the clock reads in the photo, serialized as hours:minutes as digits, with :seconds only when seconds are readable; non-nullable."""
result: 8:41:02
